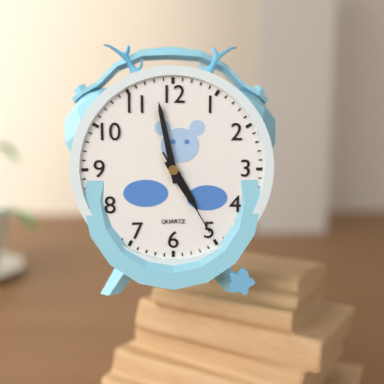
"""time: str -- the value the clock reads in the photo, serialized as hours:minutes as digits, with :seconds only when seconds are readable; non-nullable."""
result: 4:58:25
